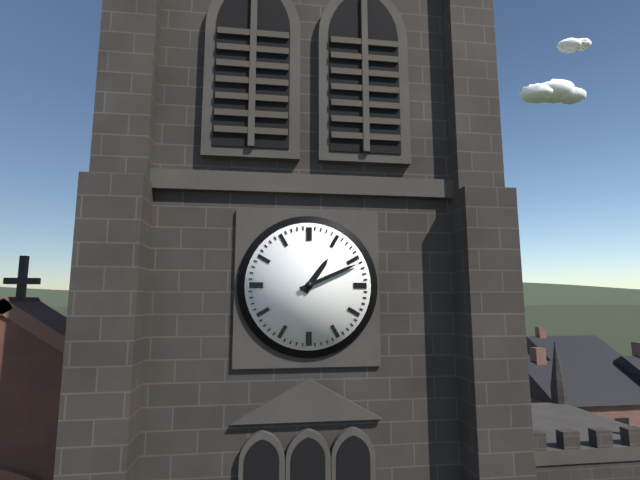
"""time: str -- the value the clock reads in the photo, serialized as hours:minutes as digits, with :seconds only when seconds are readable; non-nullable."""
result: 1:11
